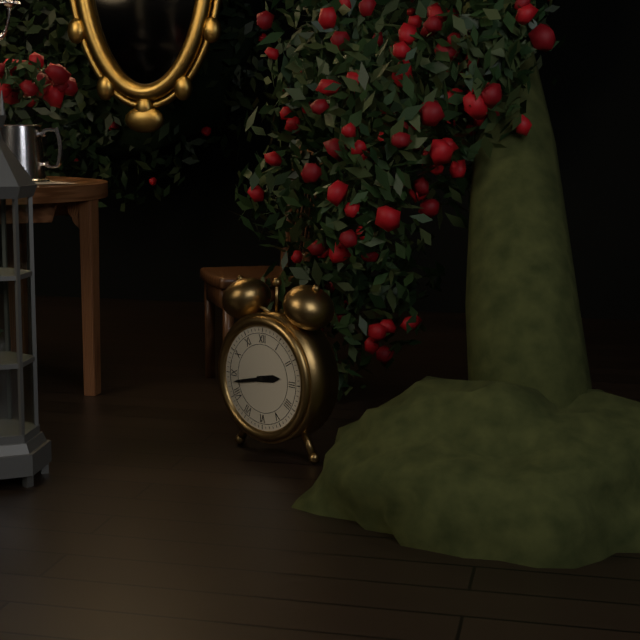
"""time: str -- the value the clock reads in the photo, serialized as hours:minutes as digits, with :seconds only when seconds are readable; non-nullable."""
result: 2:43
